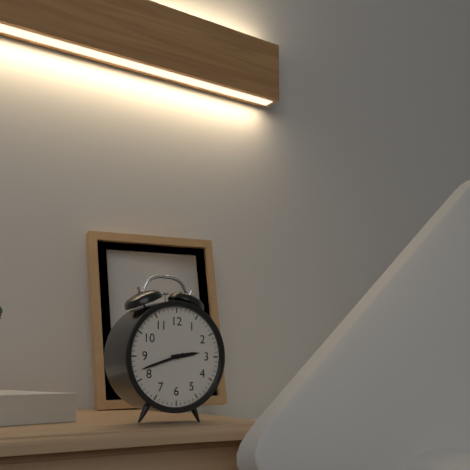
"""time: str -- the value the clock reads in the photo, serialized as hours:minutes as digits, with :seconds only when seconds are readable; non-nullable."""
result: 2:42
